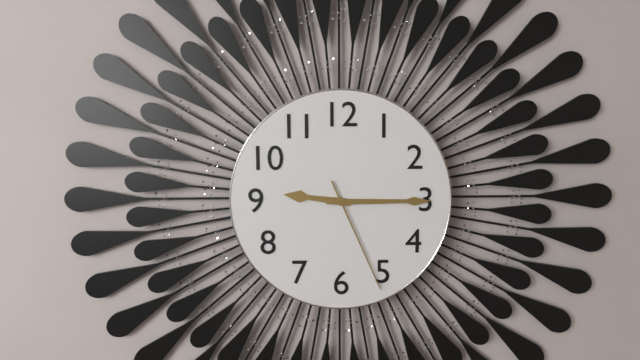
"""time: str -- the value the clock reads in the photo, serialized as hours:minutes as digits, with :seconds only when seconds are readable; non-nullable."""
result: 9:15:26
